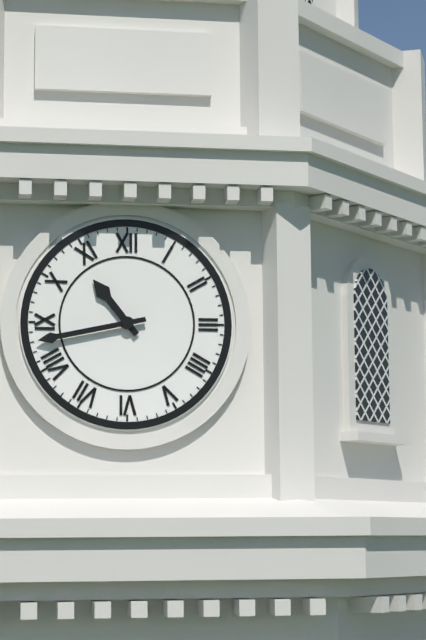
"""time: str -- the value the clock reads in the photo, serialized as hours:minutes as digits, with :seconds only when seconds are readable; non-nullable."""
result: 10:43
